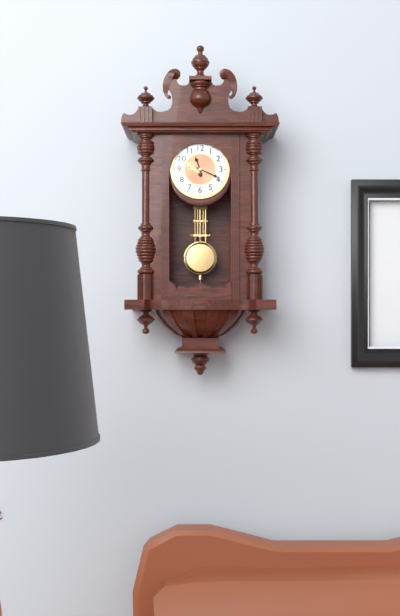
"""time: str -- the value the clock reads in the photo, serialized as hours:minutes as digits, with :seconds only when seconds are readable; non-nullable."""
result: 11:19
